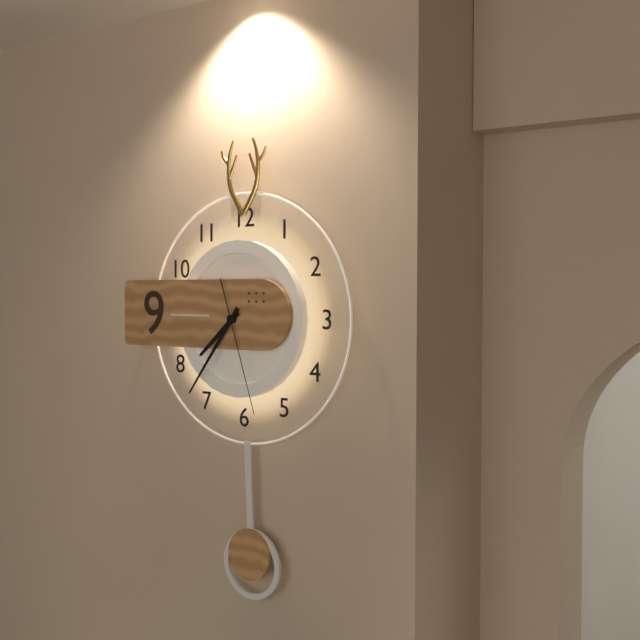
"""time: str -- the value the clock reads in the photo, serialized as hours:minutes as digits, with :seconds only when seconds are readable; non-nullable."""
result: 7:36:27
